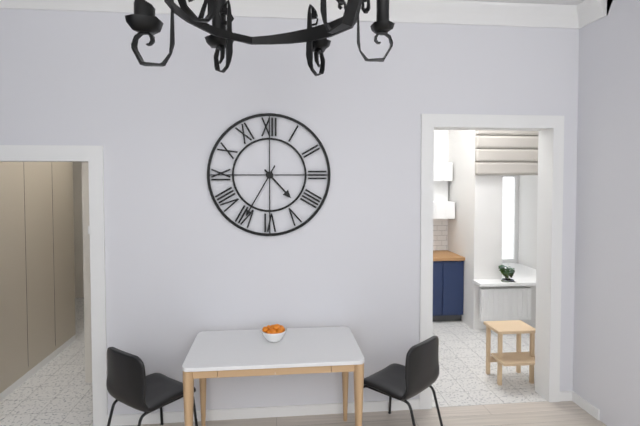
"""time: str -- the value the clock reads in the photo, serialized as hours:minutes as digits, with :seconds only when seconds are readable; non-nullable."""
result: 4:35
